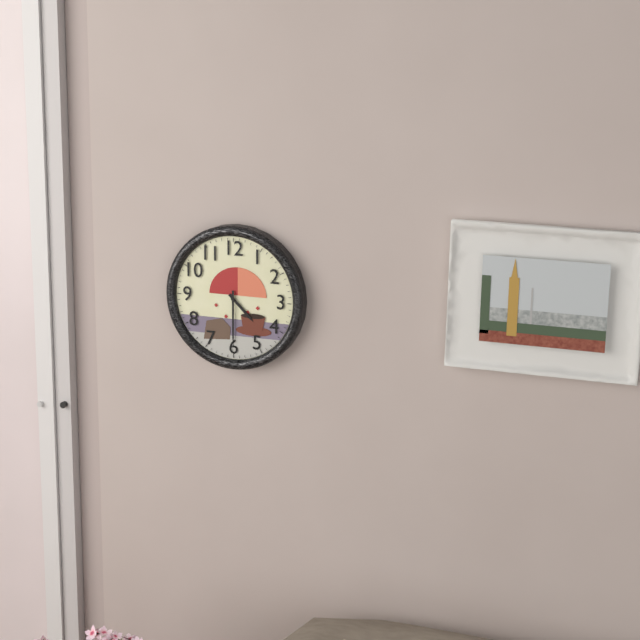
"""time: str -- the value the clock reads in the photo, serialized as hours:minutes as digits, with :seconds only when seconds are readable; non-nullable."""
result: 4:30
